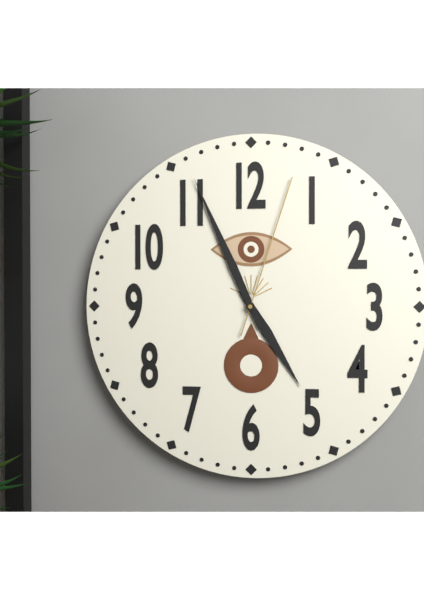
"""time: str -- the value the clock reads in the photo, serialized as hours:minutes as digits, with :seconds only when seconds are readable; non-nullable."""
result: 4:56:03
